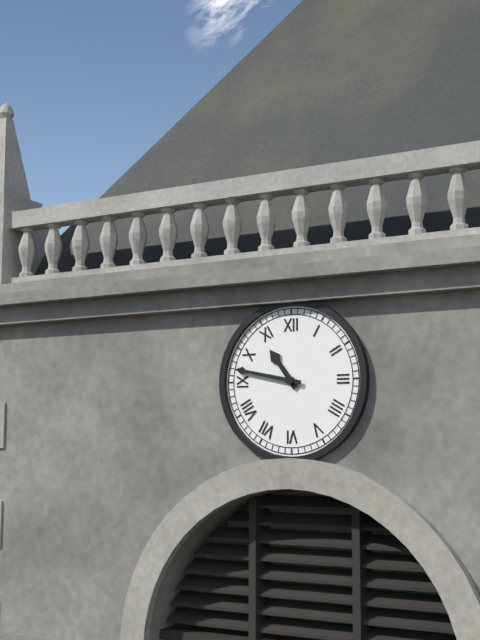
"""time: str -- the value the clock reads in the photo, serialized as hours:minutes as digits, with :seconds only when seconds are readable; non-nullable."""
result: 10:47
